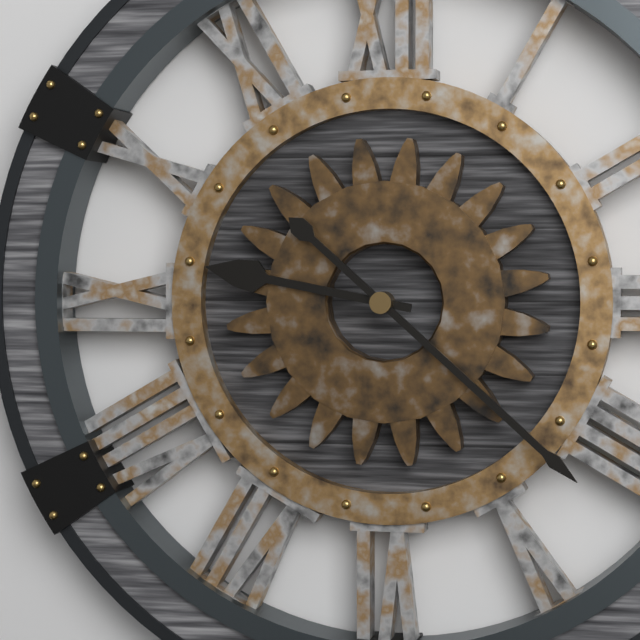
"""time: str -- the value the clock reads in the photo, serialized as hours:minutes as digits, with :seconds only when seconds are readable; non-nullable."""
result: 9:22
